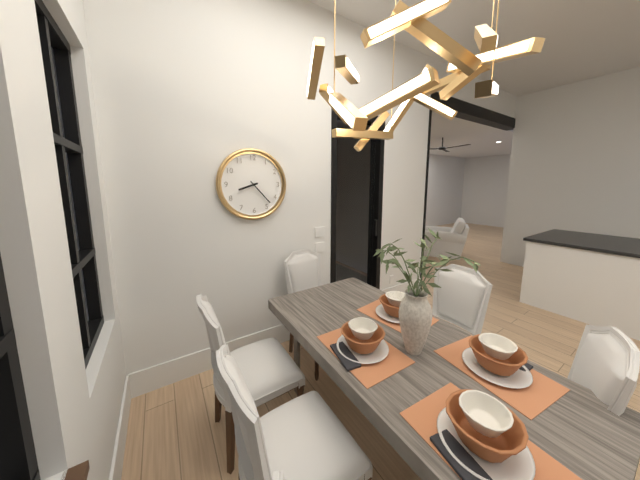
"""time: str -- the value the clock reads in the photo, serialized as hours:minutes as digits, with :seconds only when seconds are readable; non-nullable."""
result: 8:23
